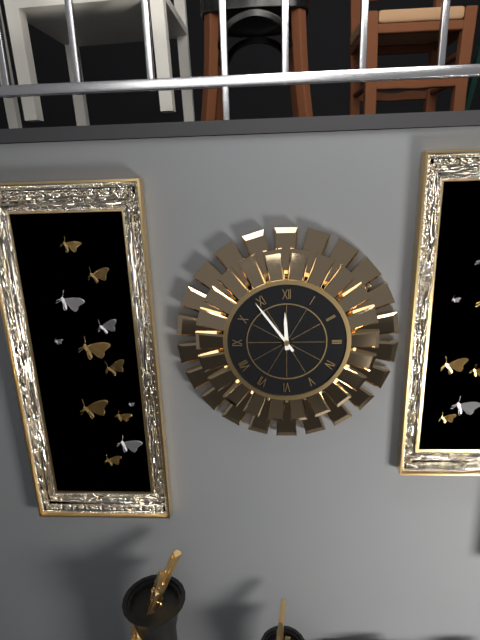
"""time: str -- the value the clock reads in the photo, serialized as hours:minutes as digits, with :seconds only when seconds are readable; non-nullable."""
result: 11:54
